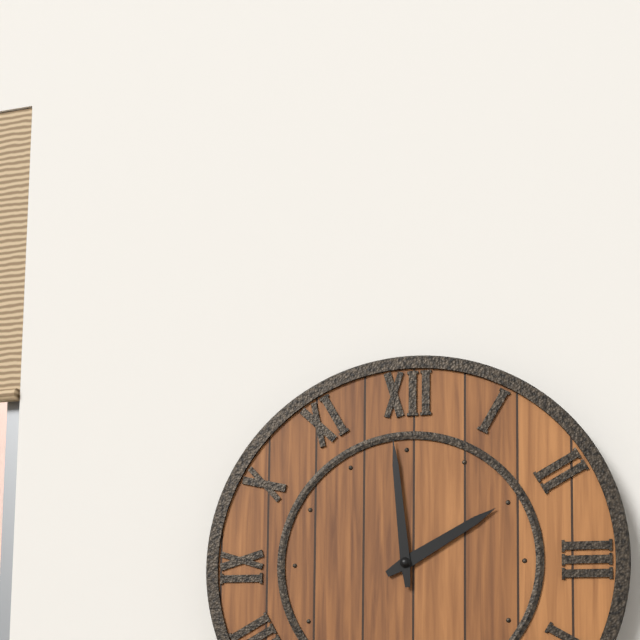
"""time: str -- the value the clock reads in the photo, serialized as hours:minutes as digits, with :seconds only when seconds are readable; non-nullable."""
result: 1:59
